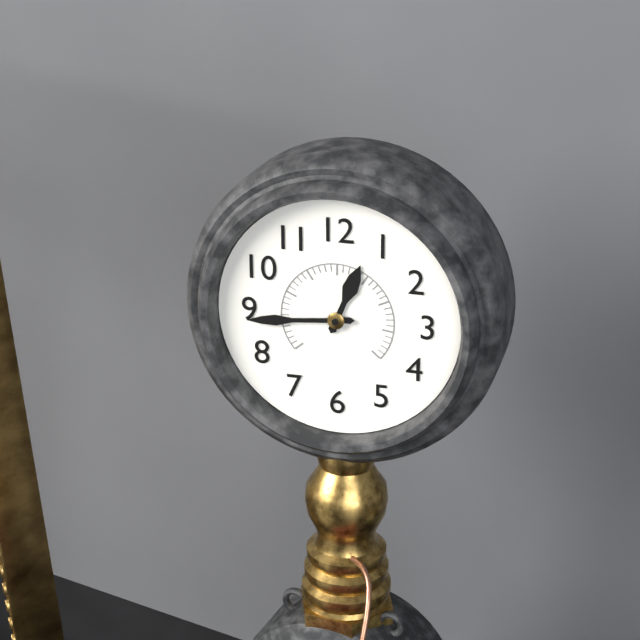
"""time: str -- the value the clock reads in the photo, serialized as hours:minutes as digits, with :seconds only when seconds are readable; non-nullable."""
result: 12:44
